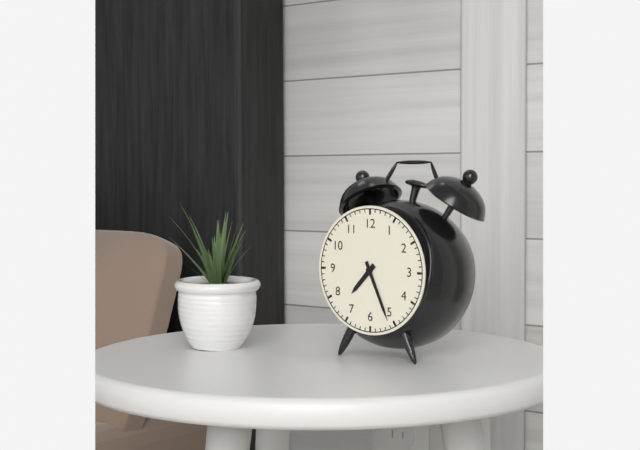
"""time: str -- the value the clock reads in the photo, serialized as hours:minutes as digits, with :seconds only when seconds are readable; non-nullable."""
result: 7:26
